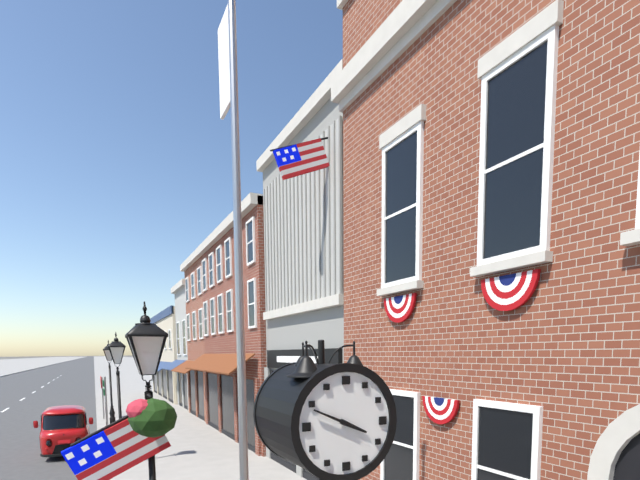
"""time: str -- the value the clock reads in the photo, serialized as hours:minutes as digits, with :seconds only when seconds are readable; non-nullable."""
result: 3:49
